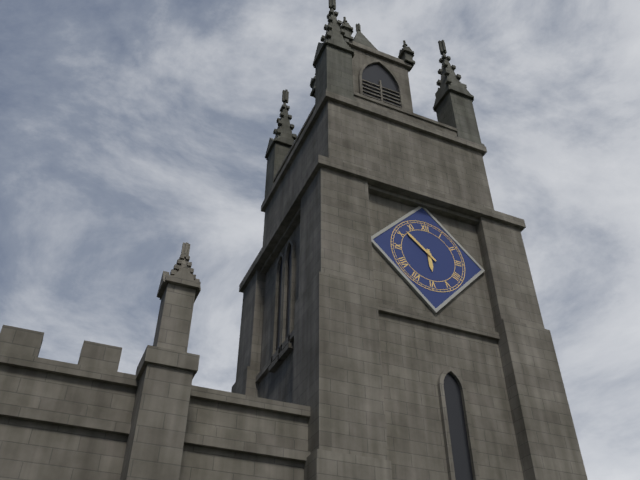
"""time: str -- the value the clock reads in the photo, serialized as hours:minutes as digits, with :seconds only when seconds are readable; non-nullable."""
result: 5:52
